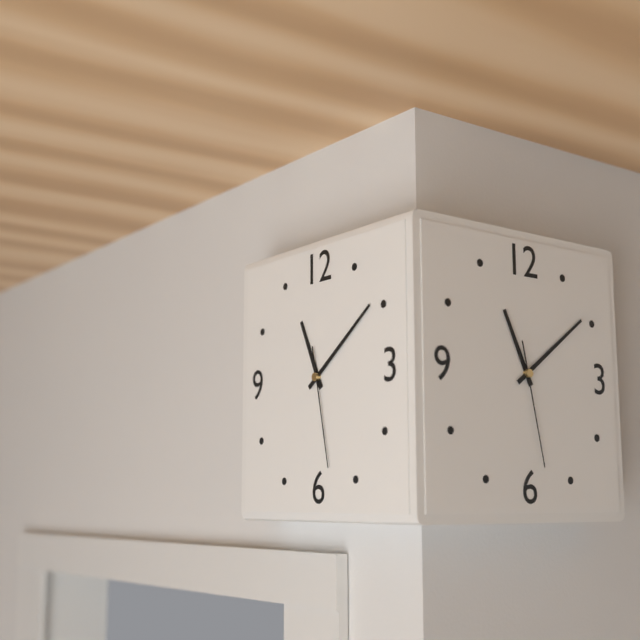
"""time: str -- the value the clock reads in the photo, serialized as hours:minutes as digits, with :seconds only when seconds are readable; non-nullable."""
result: 11:09:28
